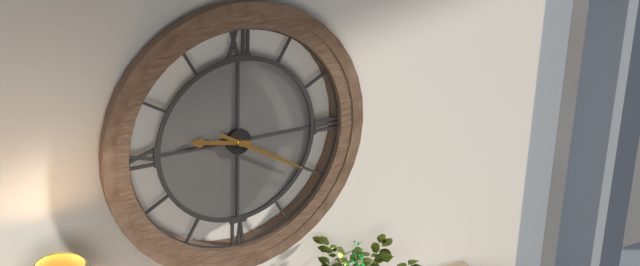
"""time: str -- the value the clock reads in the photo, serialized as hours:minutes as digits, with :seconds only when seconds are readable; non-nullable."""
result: 9:20
